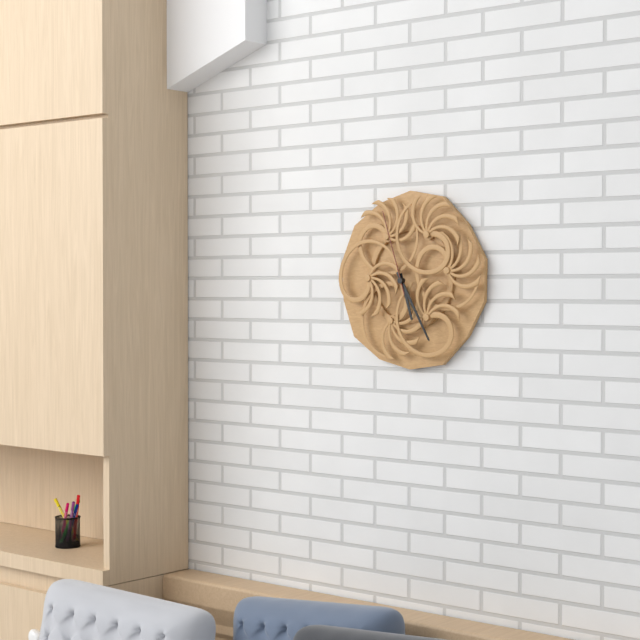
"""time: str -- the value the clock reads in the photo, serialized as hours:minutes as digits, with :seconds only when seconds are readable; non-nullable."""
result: 5:25:57
